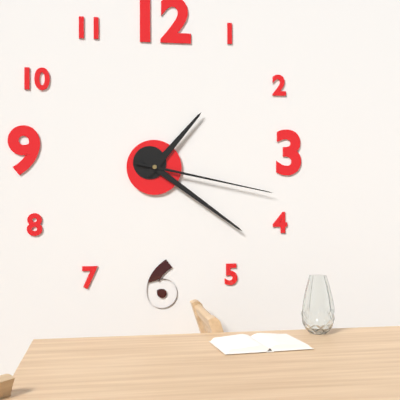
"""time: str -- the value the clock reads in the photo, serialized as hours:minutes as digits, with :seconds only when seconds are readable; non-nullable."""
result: 1:21:17
